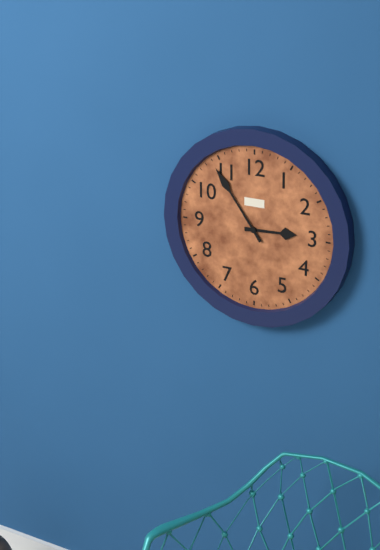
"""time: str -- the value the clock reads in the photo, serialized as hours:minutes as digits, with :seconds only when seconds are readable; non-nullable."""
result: 2:54
